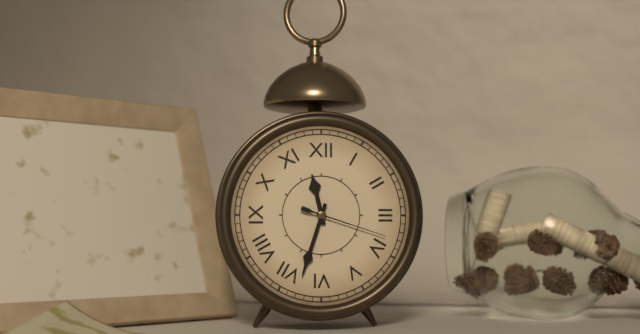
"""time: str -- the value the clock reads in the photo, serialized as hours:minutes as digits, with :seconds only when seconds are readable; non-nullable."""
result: 11:33:18
